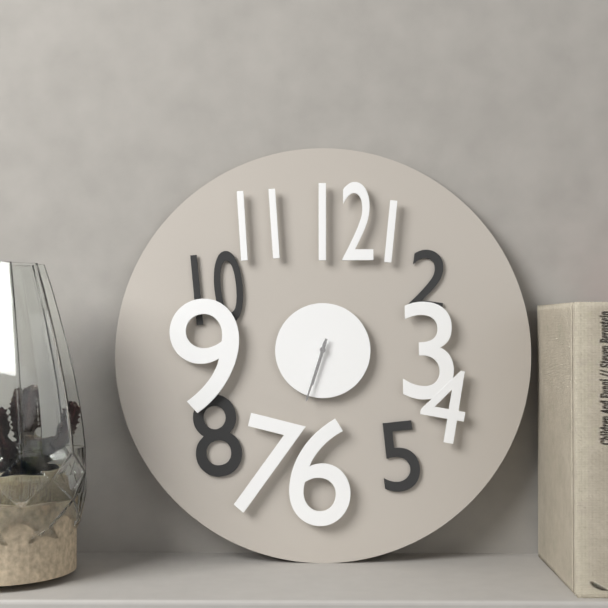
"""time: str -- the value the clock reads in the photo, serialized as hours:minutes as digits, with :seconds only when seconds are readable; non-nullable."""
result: 6:33
